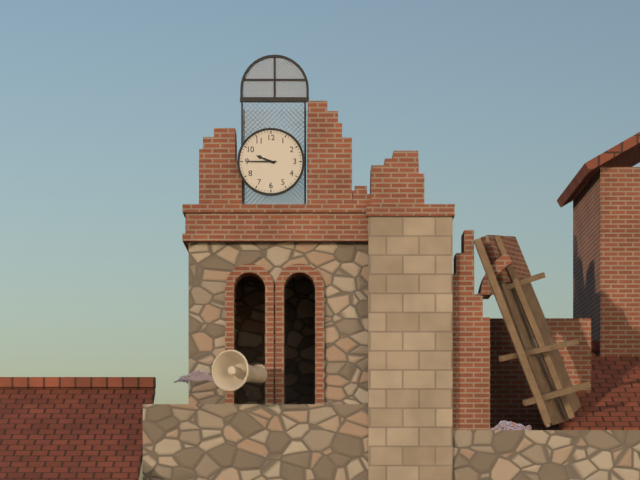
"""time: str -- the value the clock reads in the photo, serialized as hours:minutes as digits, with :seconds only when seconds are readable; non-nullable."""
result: 9:45
